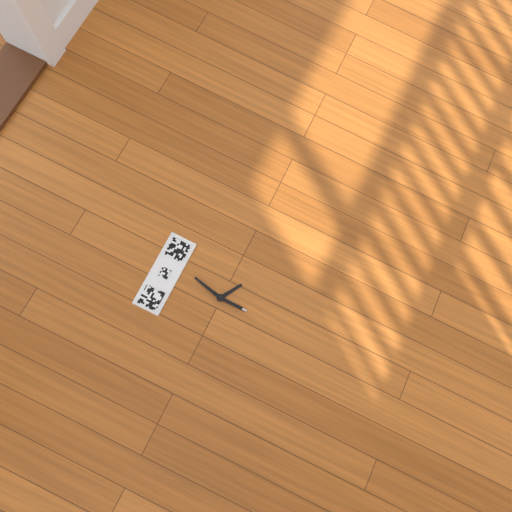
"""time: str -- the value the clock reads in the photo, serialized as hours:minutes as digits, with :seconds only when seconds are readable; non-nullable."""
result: 4:02
